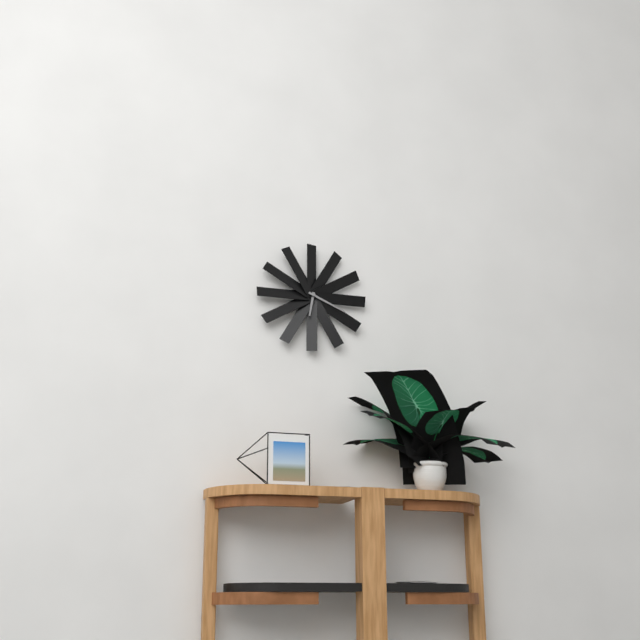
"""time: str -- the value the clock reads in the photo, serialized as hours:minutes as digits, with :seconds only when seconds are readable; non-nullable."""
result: 6:19
